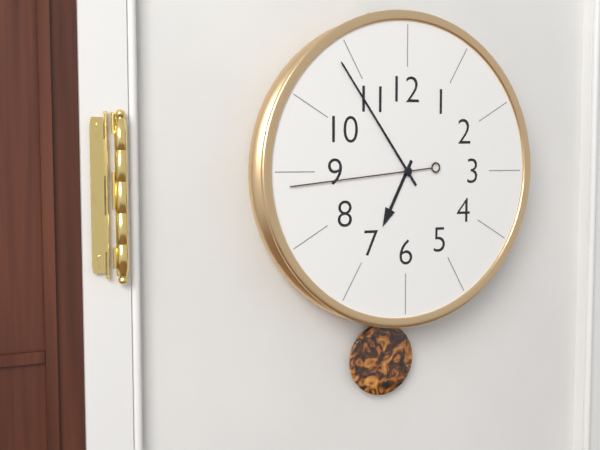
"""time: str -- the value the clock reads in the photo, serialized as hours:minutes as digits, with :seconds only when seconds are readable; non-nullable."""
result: 6:54:44
